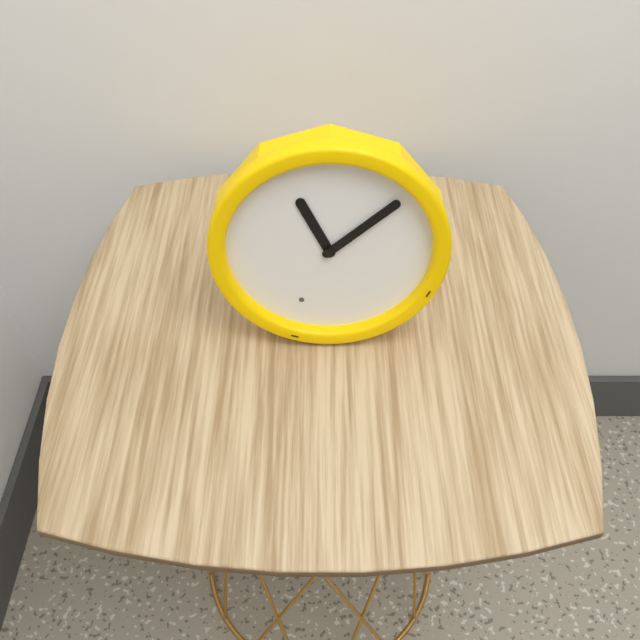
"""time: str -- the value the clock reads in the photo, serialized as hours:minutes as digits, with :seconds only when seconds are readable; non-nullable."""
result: 11:08
